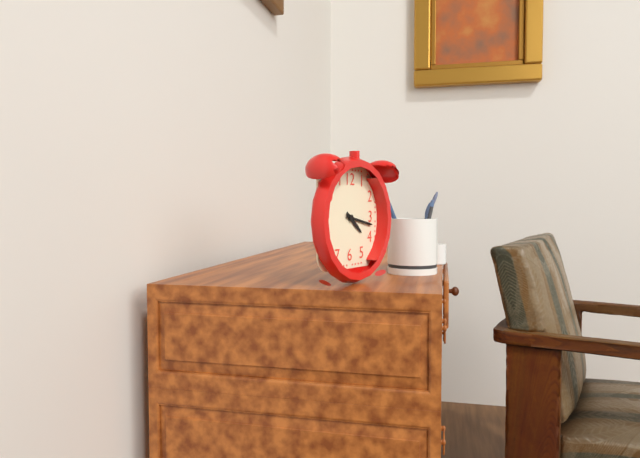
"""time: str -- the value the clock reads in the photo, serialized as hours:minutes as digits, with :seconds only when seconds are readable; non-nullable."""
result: 4:17
